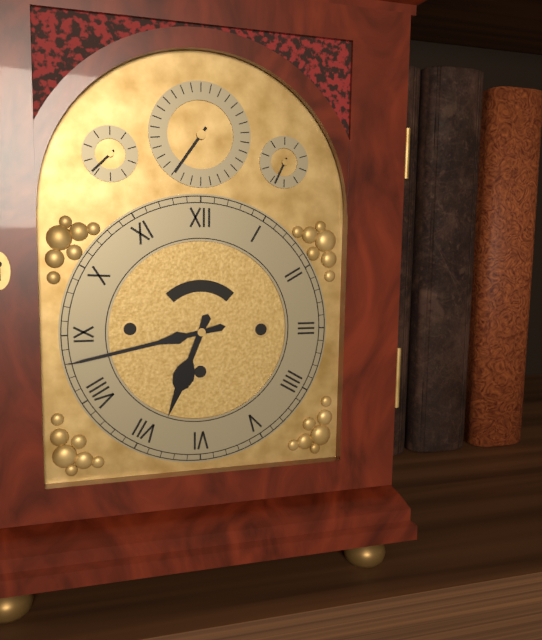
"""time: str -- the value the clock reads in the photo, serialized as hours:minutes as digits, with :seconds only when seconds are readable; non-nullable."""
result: 6:43
